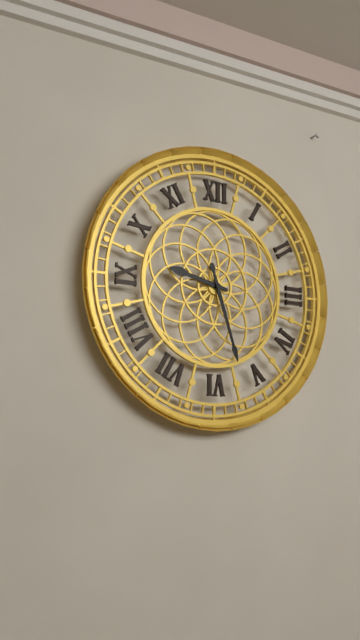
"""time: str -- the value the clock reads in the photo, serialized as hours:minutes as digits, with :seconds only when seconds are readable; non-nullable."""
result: 9:27
